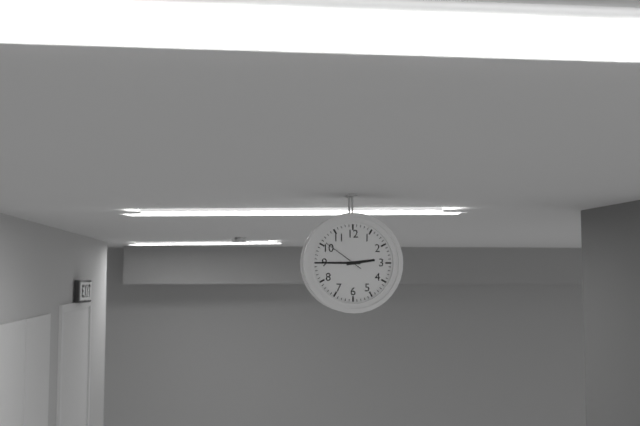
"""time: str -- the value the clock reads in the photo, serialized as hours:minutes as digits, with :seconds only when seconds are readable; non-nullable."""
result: 2:45
